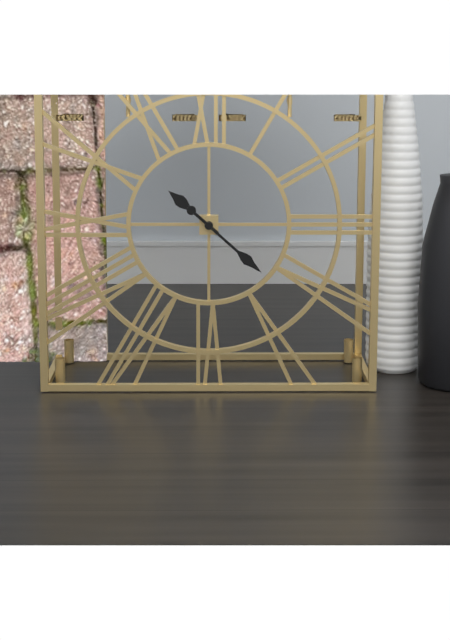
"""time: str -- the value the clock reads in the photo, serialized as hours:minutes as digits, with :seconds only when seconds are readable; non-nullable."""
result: 10:22
